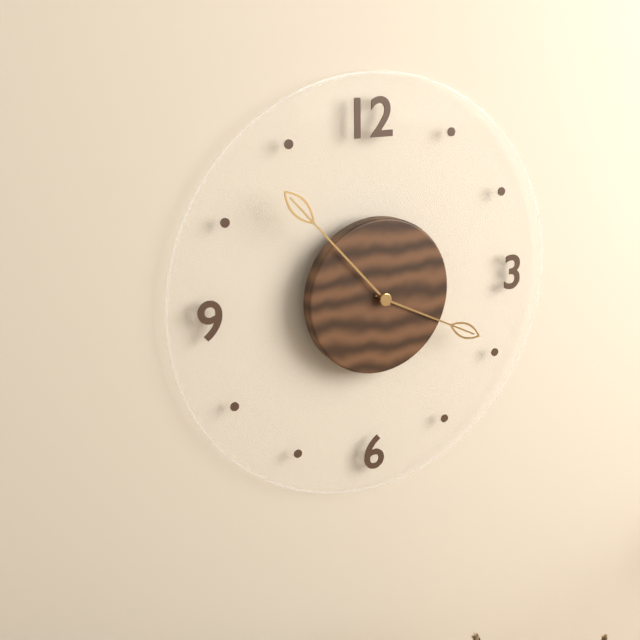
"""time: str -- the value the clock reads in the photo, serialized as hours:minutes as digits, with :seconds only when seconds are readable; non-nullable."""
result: 3:53
